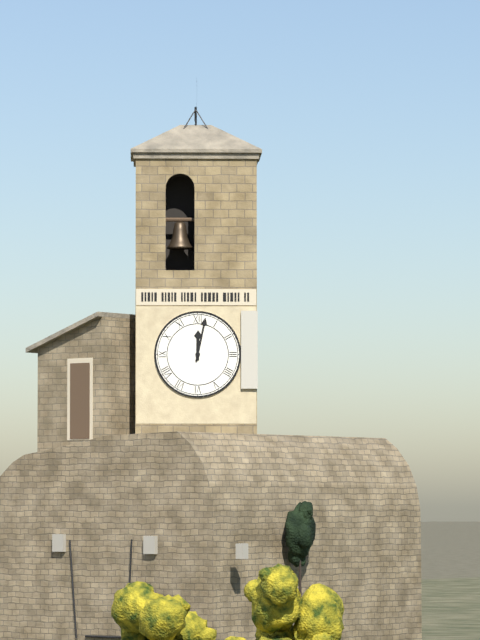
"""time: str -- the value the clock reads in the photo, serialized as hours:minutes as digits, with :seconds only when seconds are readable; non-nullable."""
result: 12:02
